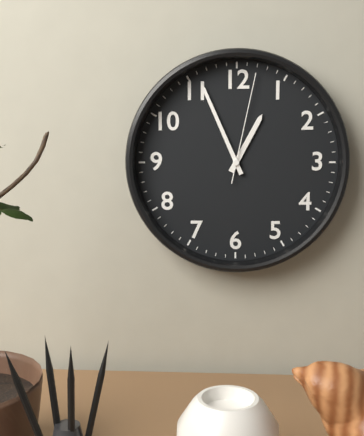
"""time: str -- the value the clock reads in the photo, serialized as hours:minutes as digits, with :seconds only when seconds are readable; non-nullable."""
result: 12:56:02
